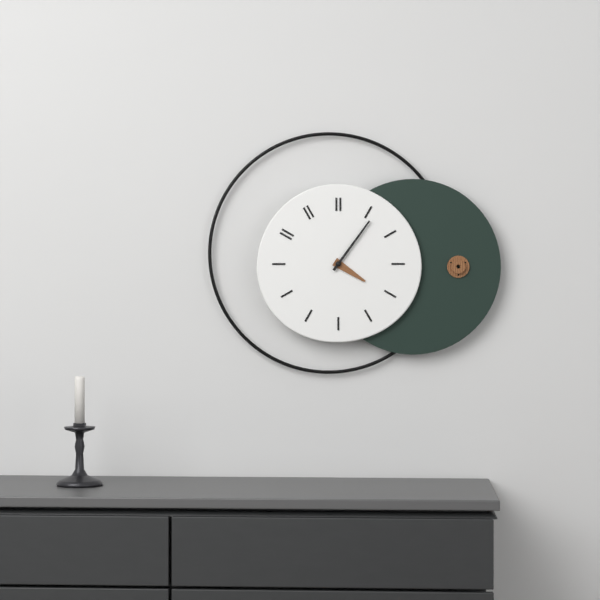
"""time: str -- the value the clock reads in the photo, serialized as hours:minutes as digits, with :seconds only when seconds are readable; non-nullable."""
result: 4:06
